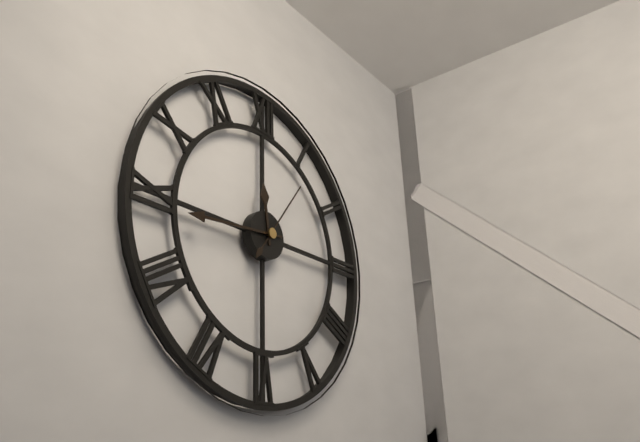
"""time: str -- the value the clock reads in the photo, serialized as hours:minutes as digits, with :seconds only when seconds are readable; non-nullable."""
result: 11:44:06
